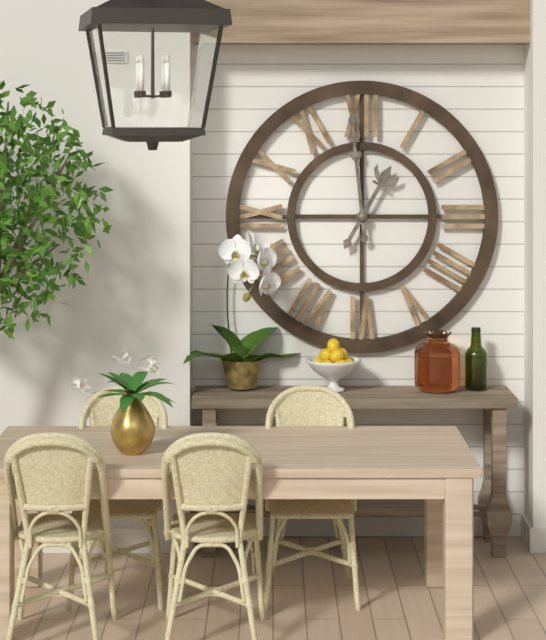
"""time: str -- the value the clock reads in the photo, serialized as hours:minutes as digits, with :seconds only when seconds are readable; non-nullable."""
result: 12:59
